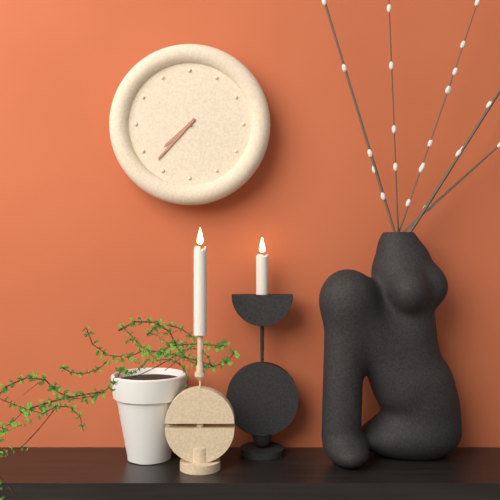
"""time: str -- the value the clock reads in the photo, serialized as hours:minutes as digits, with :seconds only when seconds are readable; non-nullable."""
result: 7:37
